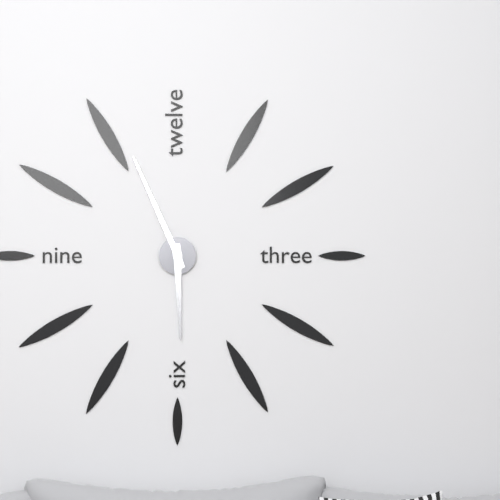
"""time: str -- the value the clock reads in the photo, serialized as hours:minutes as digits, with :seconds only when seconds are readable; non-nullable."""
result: 5:56
